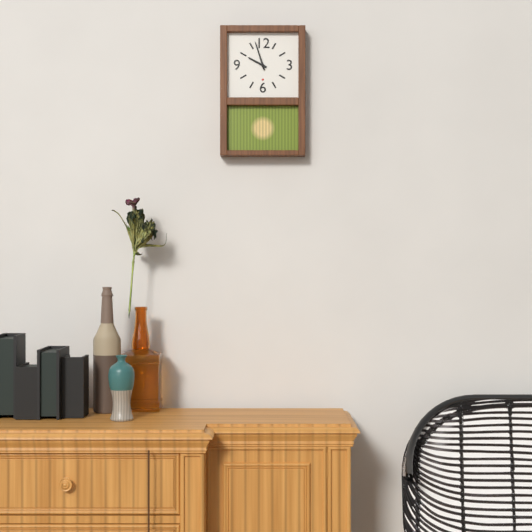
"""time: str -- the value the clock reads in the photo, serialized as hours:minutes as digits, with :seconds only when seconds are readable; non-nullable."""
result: 9:57
